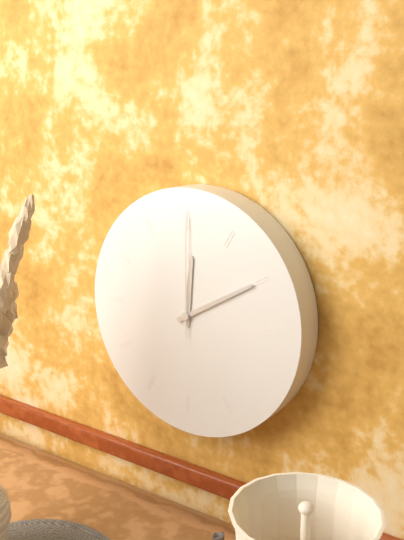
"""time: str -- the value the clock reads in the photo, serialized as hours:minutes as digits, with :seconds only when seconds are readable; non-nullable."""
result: 12:10:00
